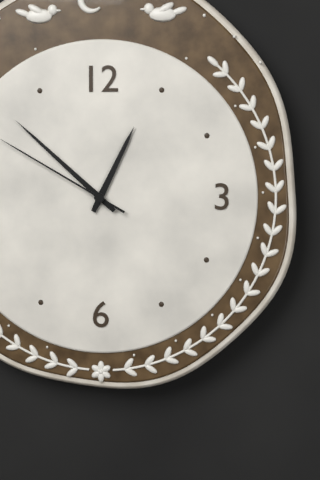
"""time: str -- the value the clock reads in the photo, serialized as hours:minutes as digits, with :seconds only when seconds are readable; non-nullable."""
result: 12:52
